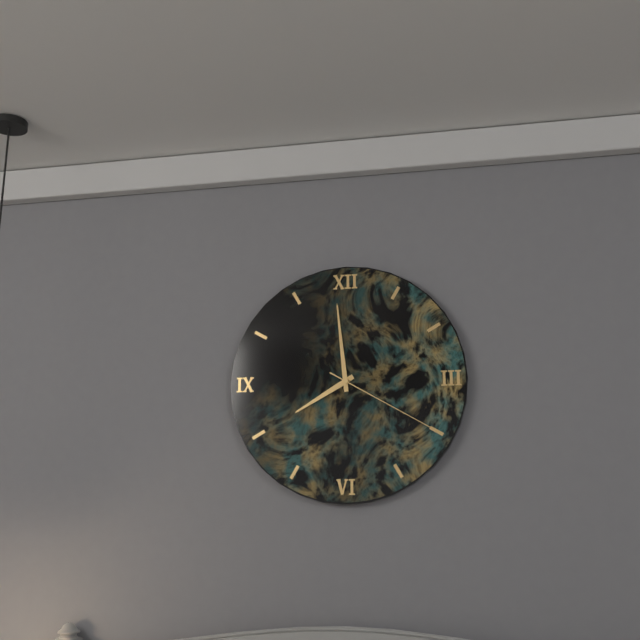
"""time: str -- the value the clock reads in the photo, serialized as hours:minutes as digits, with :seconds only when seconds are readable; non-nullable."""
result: 7:59:20
